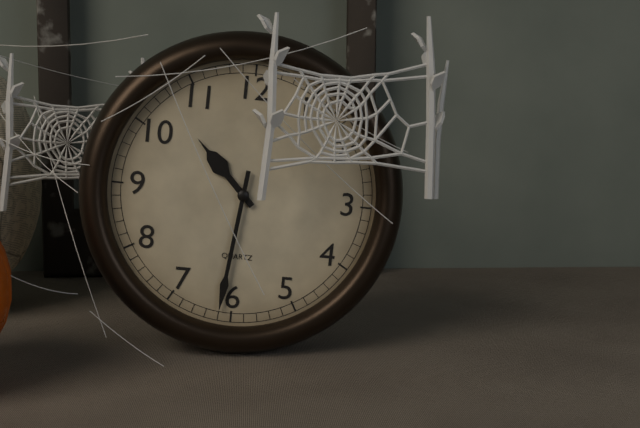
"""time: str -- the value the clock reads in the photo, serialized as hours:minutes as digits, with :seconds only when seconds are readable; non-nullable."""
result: 10:31
